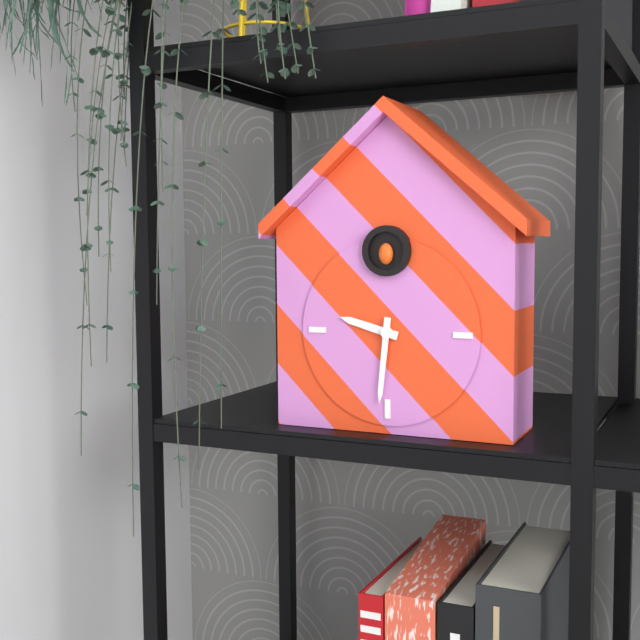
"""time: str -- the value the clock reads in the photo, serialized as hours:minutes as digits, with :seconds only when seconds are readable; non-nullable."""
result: 9:31
